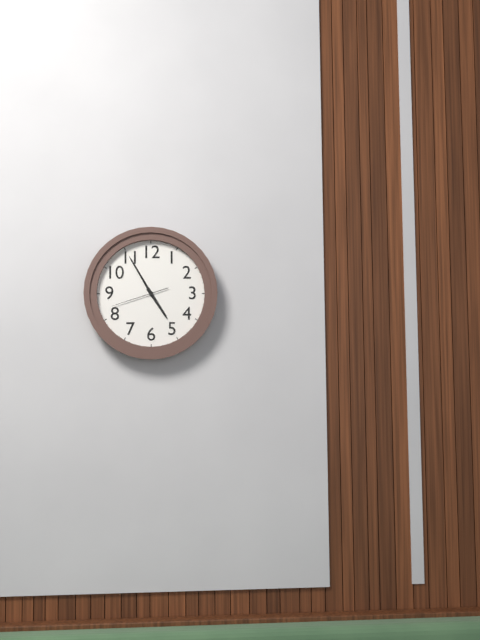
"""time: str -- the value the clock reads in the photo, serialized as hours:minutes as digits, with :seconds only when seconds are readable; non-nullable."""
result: 4:55:42
